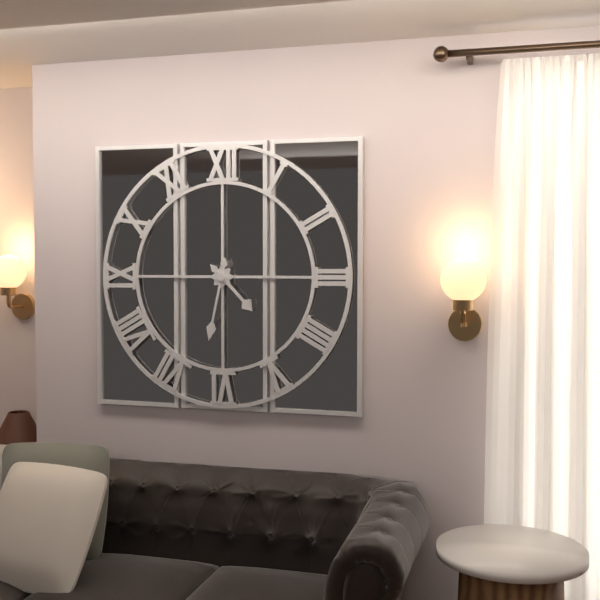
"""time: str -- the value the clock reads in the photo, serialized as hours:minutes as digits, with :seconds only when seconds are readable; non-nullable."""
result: 4:32
